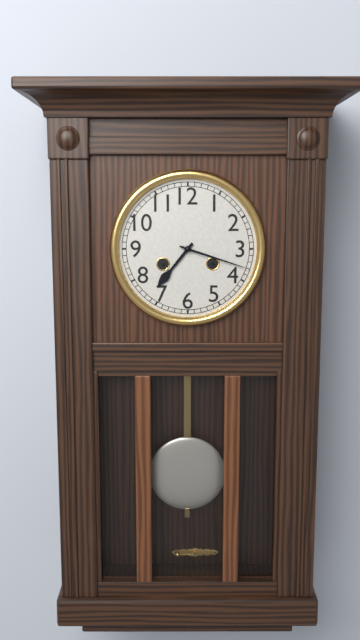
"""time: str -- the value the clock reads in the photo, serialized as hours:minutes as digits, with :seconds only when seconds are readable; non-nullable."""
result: 7:18
